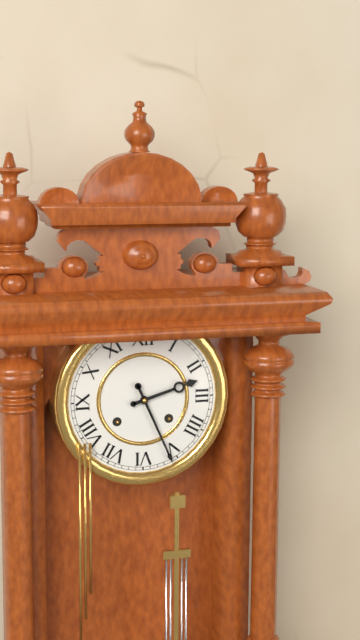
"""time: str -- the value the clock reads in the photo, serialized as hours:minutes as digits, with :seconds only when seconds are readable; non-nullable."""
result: 2:26
